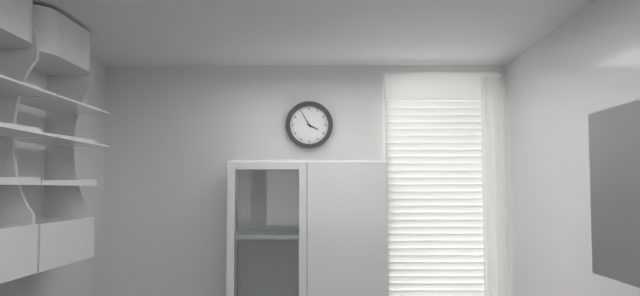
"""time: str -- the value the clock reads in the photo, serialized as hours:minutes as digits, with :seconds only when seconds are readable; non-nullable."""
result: 3:55
